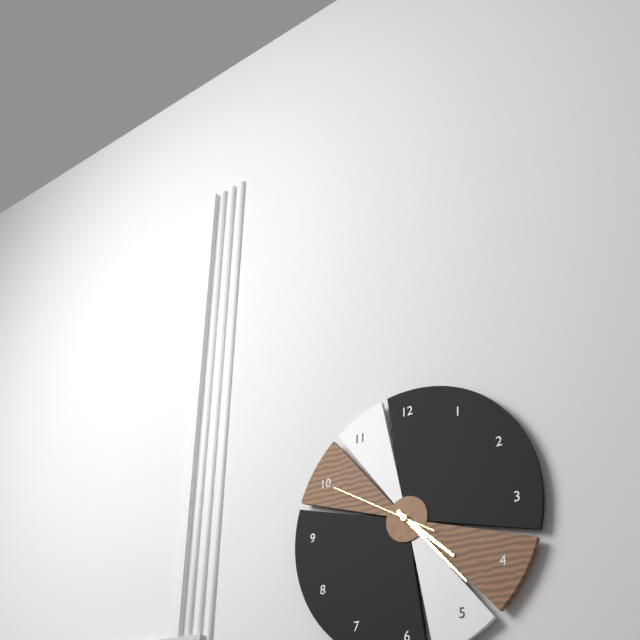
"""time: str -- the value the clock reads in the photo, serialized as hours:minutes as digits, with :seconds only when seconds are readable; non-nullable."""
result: 4:23:50
